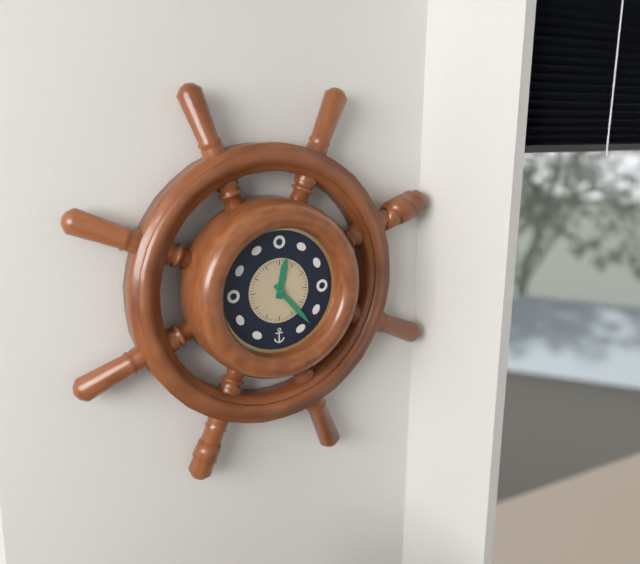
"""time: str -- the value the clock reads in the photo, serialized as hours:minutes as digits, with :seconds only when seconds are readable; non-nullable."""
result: 12:23
